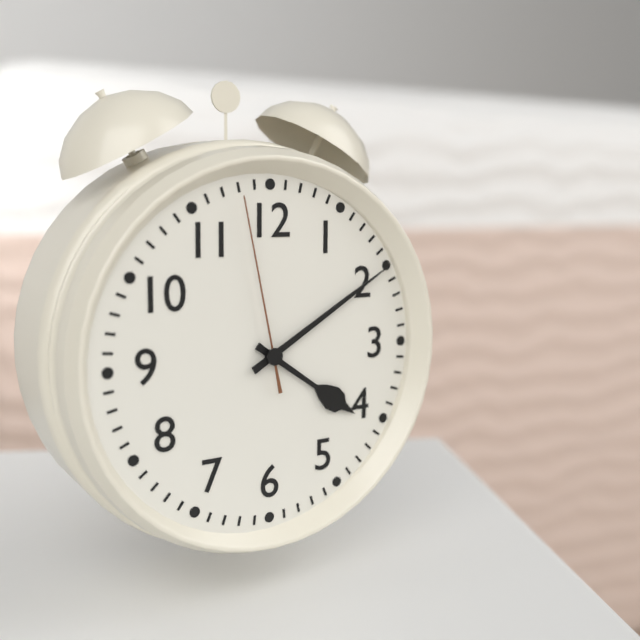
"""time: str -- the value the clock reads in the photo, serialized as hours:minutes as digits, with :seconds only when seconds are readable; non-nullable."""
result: 4:10:58
